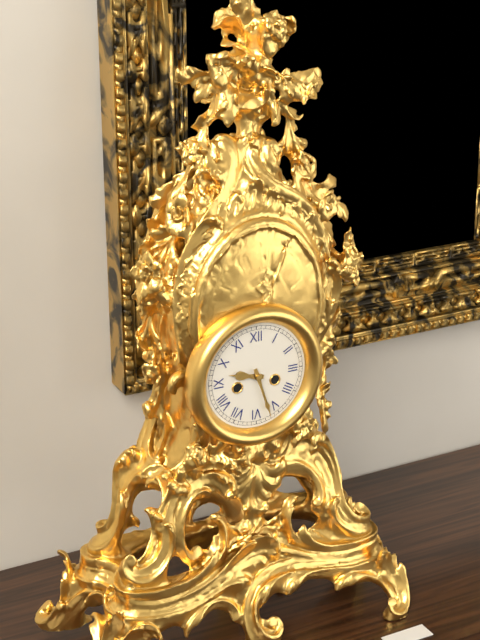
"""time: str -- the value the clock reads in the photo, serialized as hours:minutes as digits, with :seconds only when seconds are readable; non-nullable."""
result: 9:27
